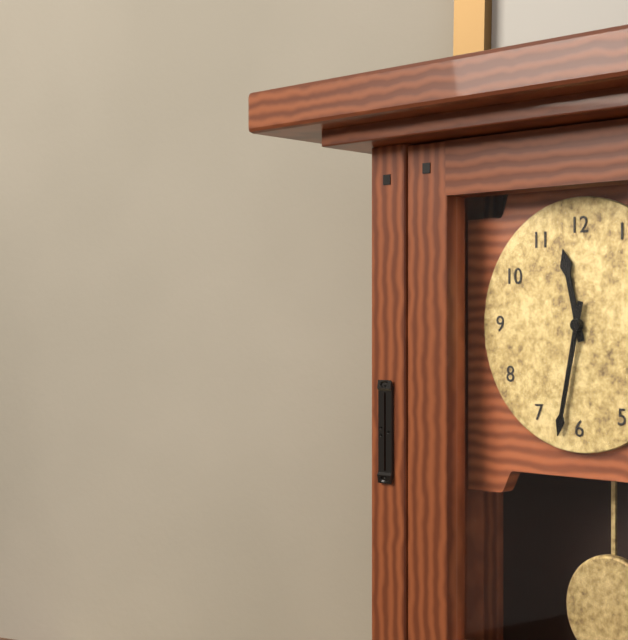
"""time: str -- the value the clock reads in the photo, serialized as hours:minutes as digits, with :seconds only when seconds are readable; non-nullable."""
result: 11:32
